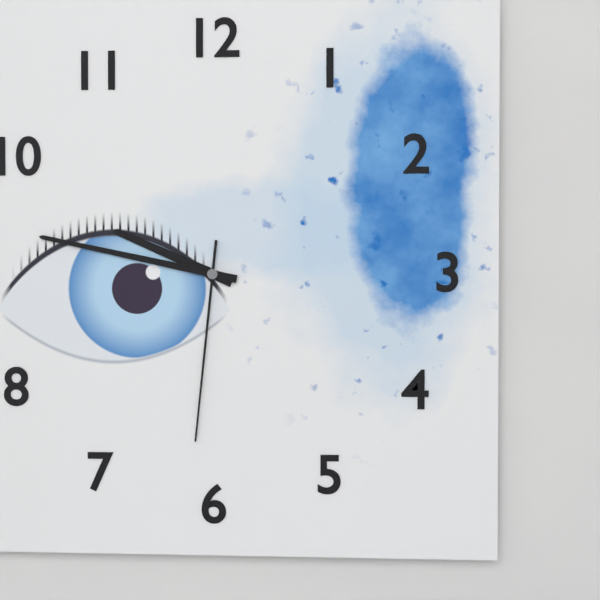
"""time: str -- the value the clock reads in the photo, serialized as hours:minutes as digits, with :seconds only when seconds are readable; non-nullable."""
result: 9:47:31
